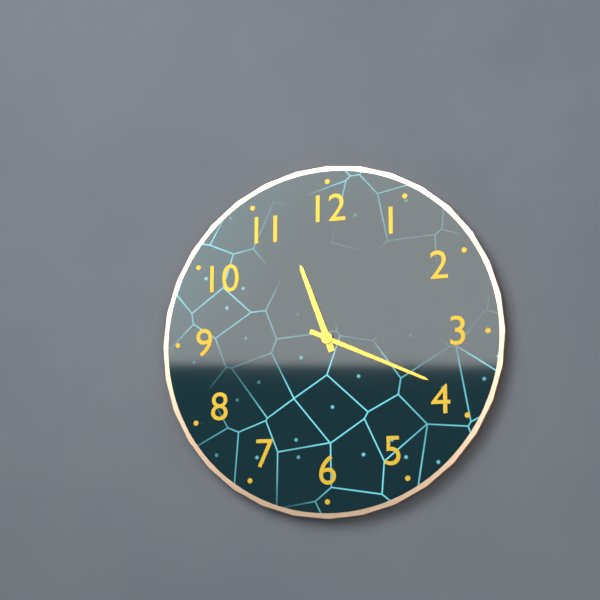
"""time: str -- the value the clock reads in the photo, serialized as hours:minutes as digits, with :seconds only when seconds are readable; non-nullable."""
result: 11:19
